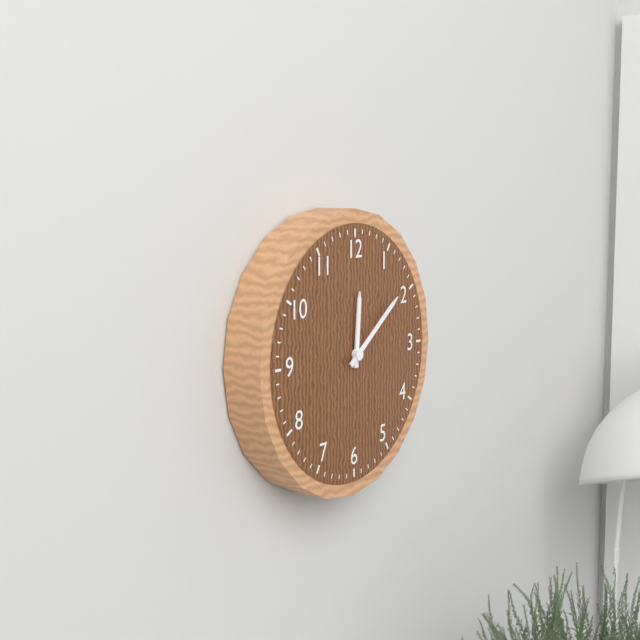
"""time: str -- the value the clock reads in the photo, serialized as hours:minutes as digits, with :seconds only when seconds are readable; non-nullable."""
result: 12:09
